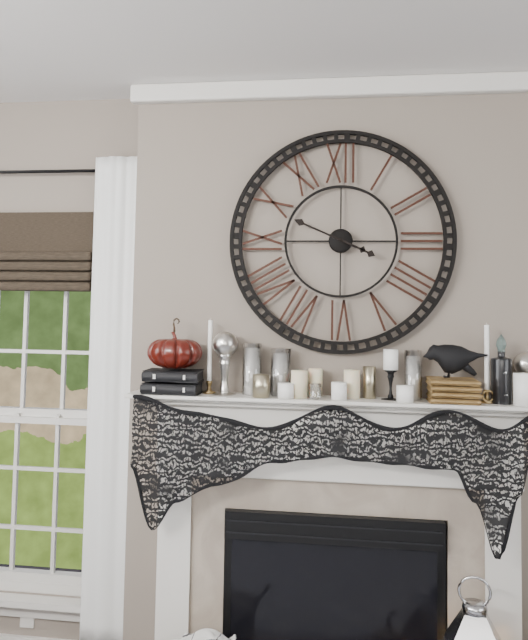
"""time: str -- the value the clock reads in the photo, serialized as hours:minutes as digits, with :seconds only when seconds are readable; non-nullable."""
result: 3:49
